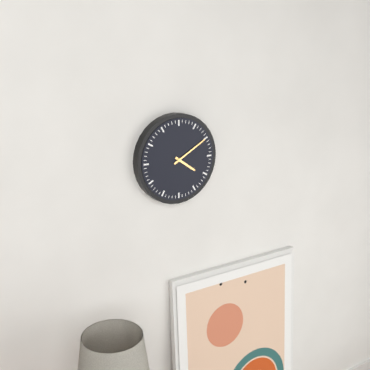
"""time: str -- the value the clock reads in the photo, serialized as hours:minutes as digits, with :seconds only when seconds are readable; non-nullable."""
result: 4:10
